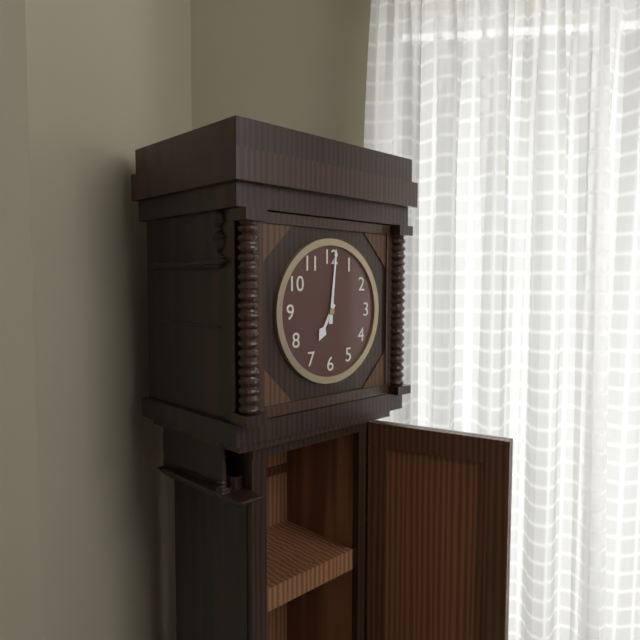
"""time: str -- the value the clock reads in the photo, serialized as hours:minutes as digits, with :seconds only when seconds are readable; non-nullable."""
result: 7:01
